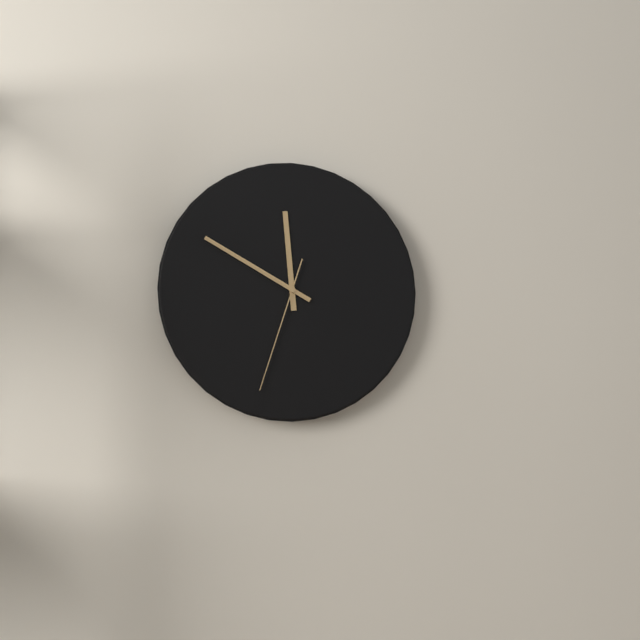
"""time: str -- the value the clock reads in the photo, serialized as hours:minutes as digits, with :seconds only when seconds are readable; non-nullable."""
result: 11:50:33
